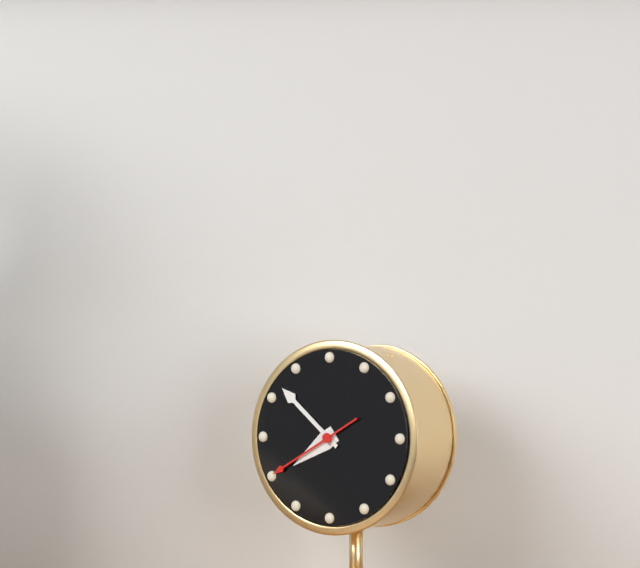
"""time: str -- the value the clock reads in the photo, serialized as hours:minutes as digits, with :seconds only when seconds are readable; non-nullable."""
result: 7:52:40
